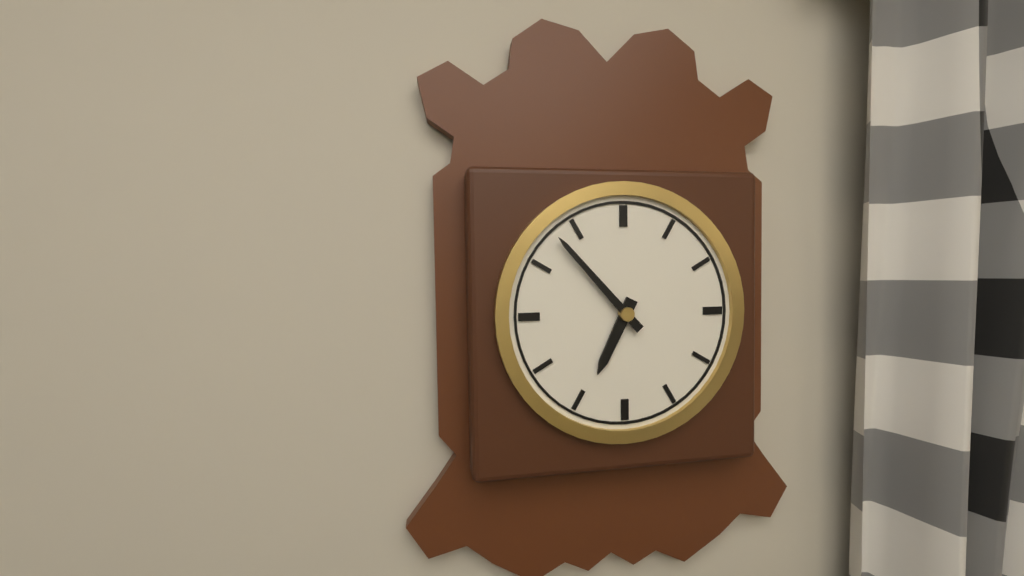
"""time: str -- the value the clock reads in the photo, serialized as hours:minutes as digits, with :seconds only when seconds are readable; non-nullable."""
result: 6:53
